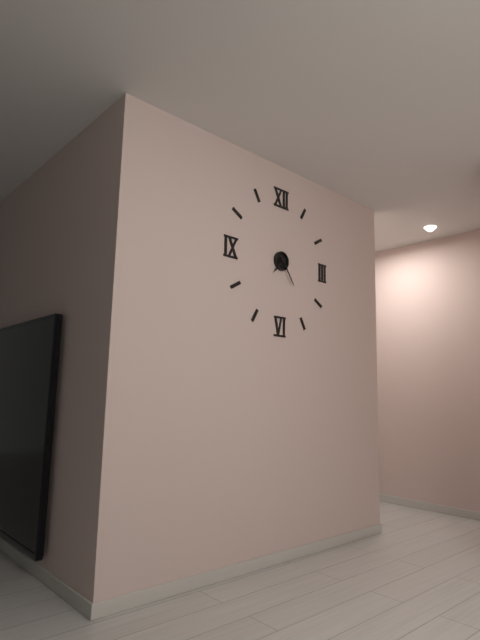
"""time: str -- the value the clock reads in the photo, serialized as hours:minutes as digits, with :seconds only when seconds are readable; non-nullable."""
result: 7:24
